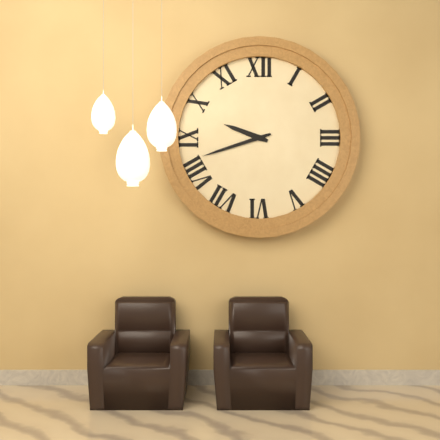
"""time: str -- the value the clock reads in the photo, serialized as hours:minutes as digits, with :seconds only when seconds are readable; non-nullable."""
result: 9:42
